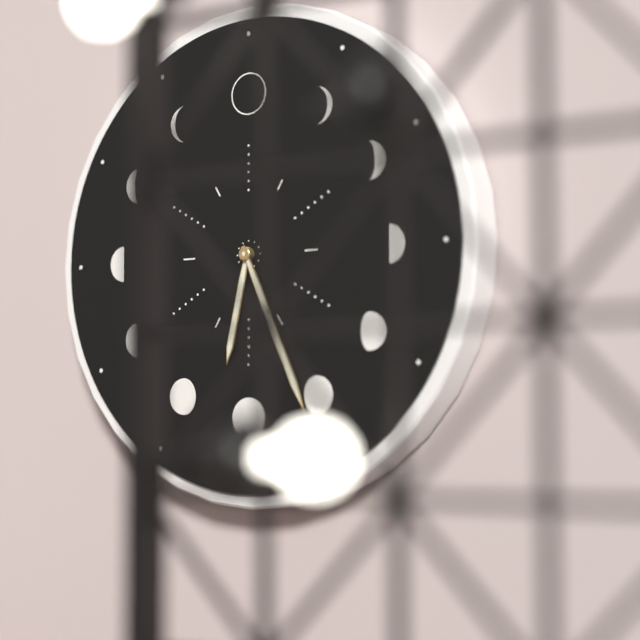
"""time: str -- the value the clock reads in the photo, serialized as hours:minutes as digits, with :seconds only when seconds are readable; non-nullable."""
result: 6:26
